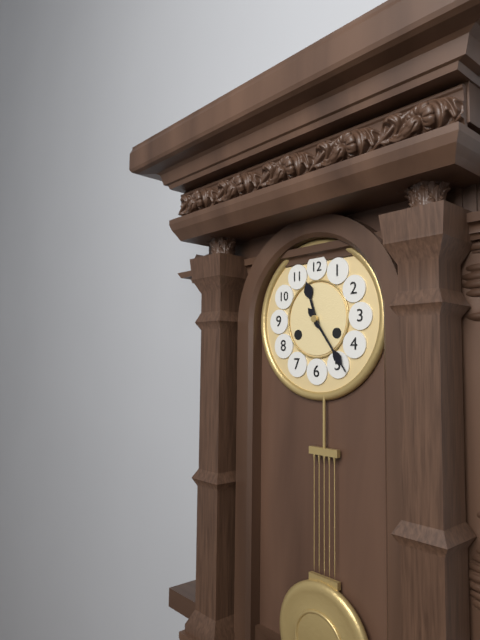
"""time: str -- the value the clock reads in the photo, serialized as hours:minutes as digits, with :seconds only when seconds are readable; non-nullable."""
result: 11:24
